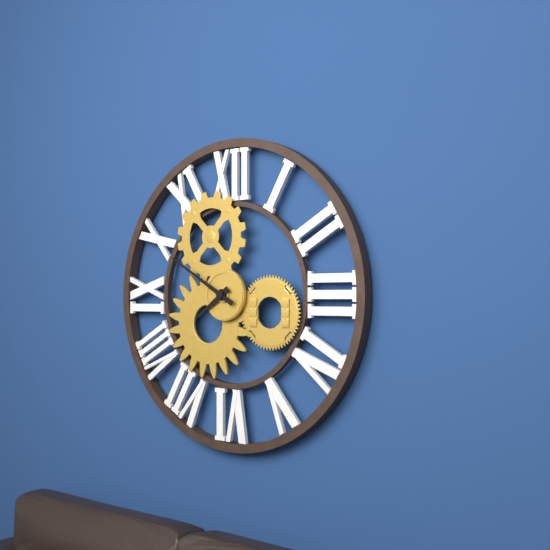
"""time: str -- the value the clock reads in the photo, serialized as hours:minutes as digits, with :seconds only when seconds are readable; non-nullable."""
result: 7:50
